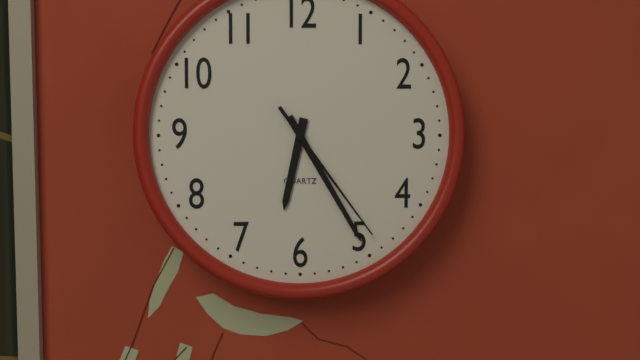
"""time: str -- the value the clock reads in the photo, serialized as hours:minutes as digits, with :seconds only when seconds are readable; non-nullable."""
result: 6:25:24
